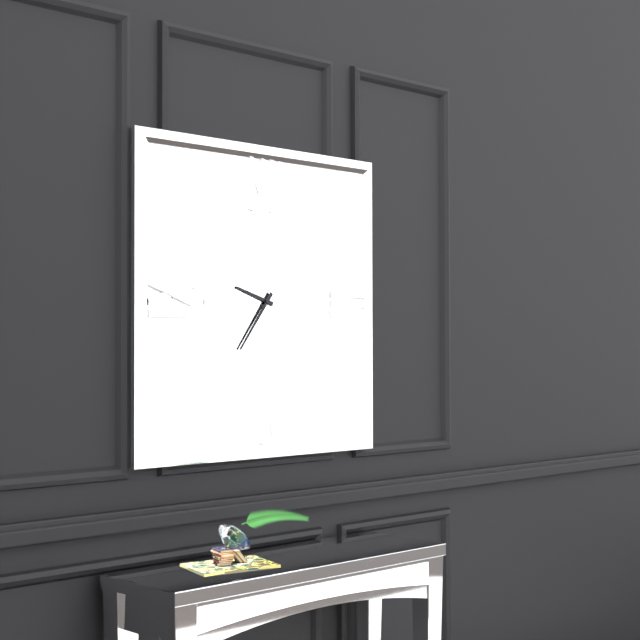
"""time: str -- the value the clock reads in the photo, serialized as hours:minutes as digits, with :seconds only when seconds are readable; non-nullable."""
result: 9:36
